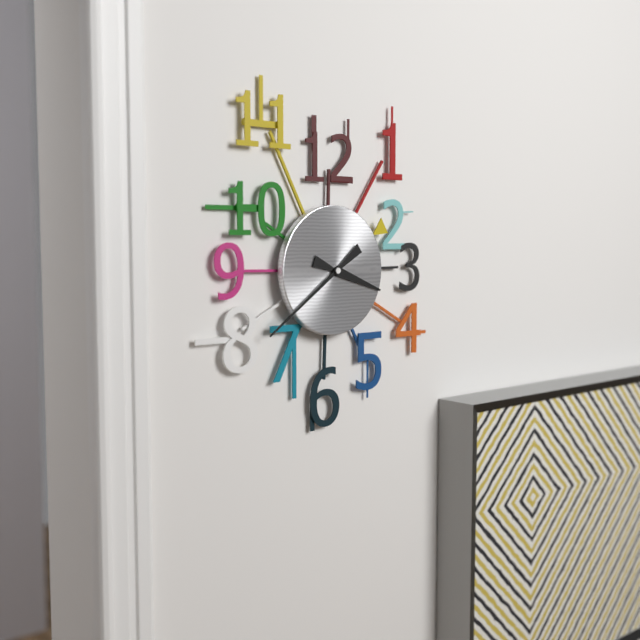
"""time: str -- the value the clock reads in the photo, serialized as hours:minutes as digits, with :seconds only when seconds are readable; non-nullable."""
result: 3:39
